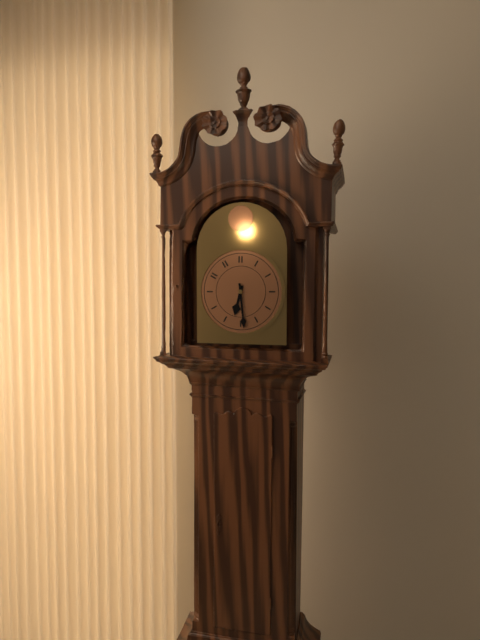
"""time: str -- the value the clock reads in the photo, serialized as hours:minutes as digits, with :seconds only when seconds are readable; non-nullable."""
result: 6:29
